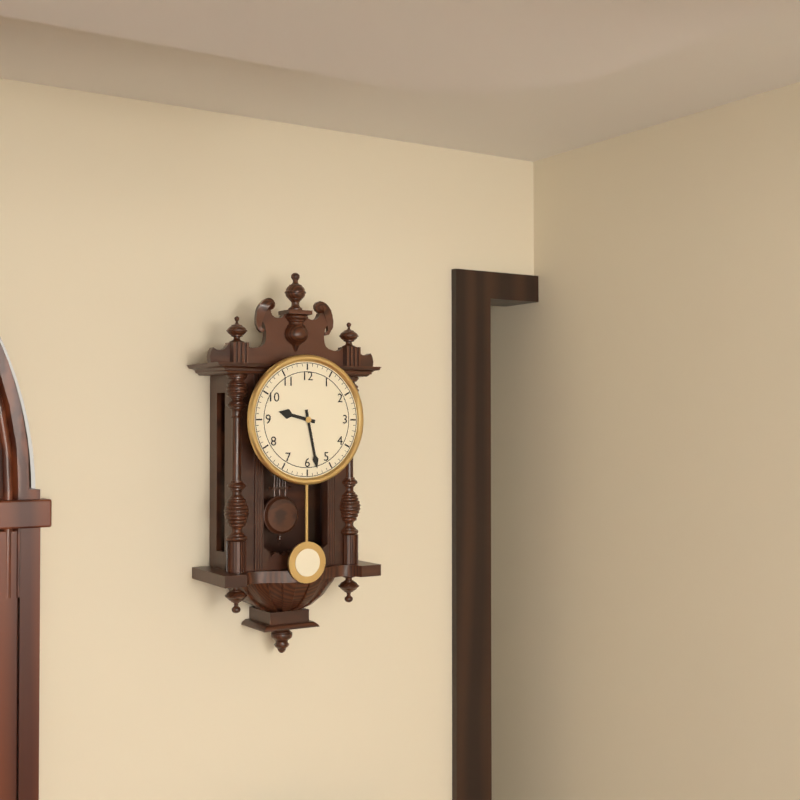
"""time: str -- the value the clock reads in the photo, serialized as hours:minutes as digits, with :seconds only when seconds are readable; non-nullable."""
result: 9:28
